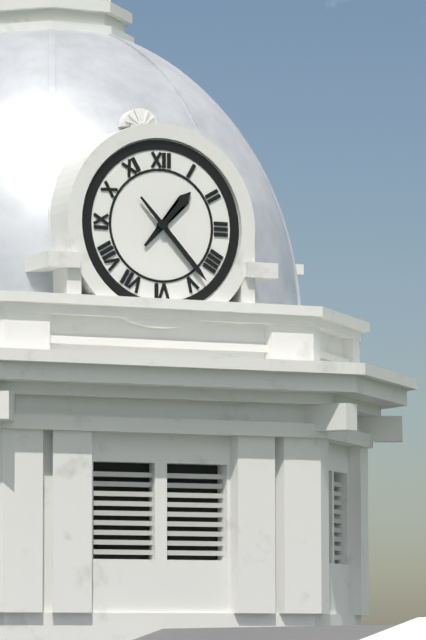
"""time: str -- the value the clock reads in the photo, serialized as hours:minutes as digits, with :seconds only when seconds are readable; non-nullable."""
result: 1:23
